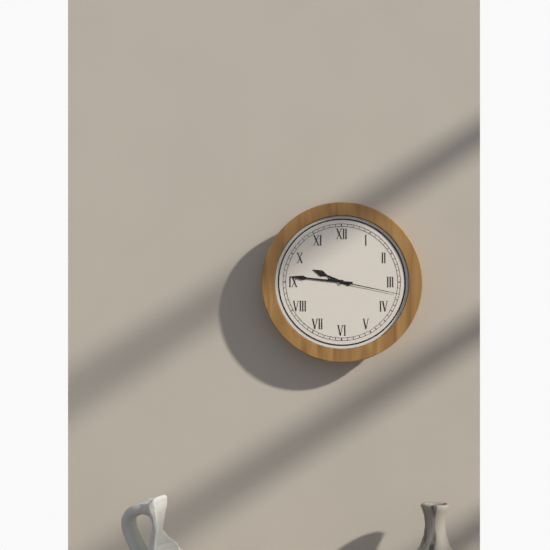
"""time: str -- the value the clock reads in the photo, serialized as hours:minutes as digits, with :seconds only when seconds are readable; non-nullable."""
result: 9:46:17
